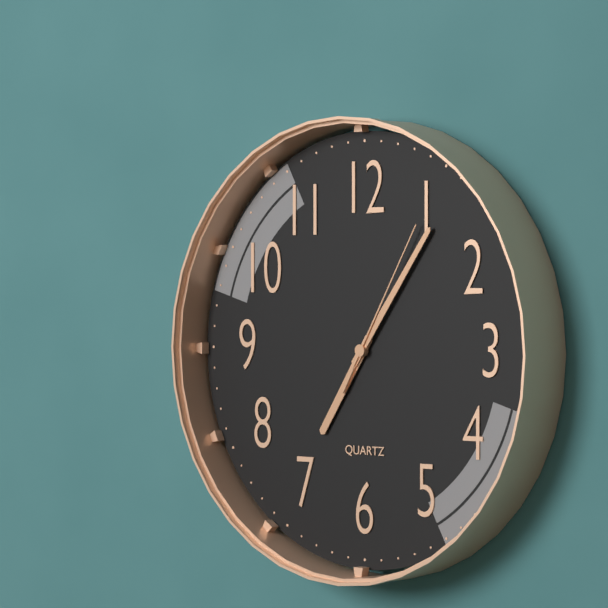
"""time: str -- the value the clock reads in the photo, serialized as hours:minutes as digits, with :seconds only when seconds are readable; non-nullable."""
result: 7:06:05
